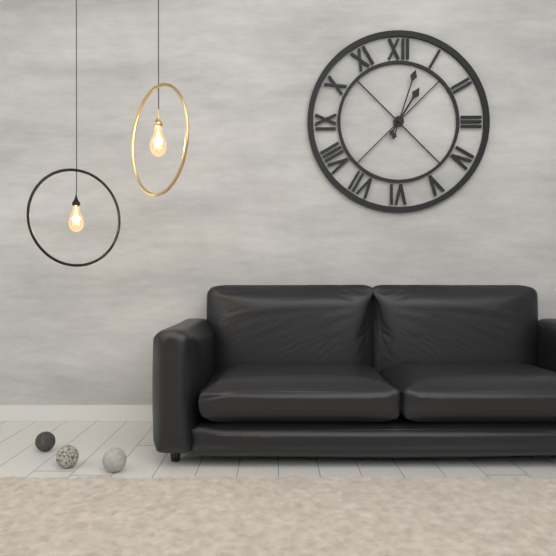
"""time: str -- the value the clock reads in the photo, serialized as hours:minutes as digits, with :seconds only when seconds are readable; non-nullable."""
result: 1:03
